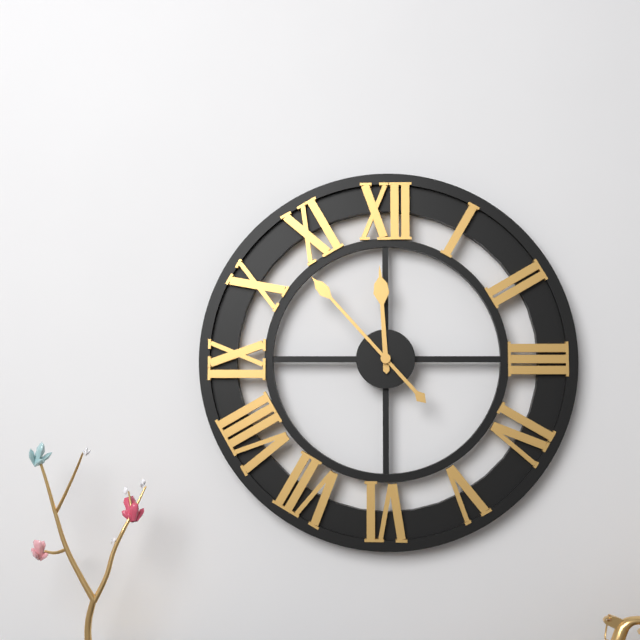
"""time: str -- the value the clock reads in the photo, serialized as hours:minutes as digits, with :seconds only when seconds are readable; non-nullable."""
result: 11:53
